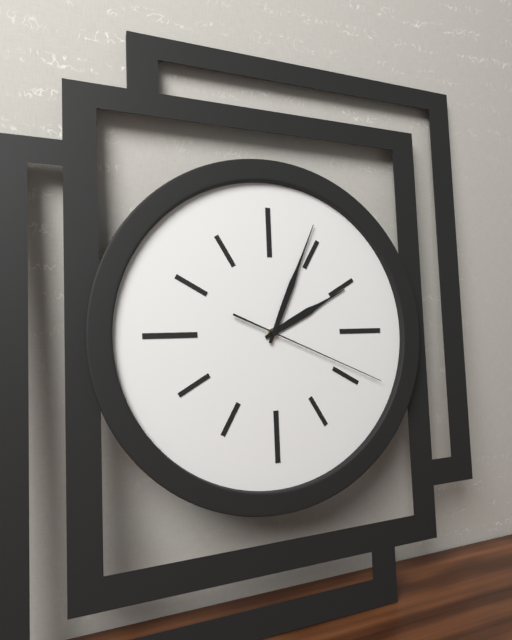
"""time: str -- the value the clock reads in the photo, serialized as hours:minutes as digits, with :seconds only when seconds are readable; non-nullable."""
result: 2:04:19
